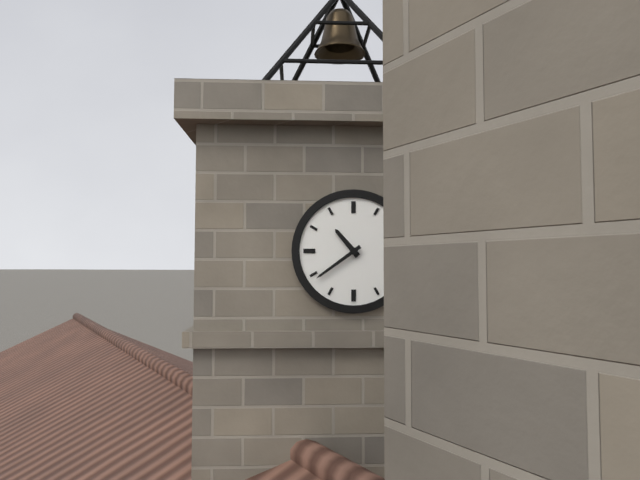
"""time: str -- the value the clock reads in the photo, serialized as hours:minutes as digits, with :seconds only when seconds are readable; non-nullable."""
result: 10:39
